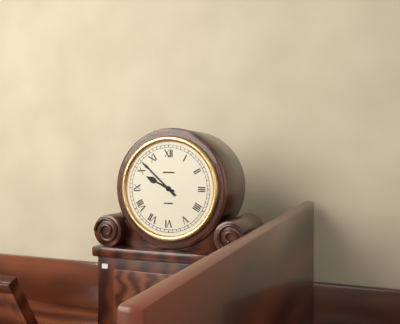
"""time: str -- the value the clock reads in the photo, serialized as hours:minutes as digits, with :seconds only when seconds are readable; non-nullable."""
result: 9:52
